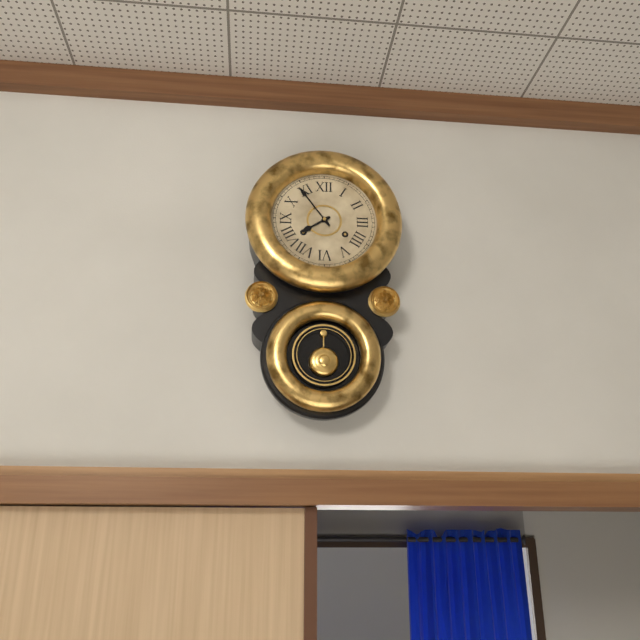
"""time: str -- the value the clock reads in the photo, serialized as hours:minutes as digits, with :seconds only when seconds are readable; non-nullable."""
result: 7:54
